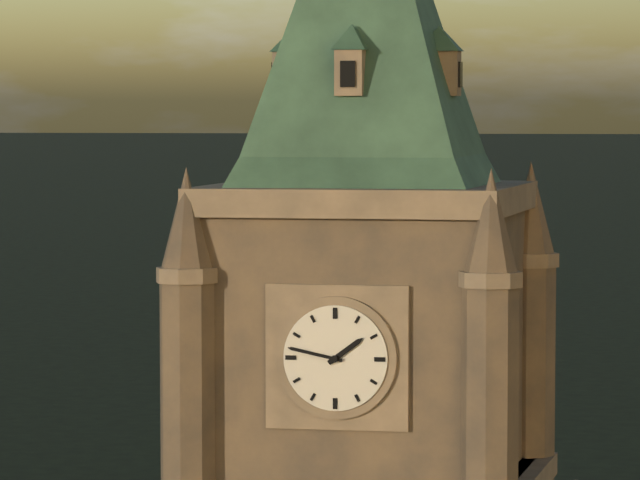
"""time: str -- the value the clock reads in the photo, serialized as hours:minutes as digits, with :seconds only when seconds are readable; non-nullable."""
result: 1:47
